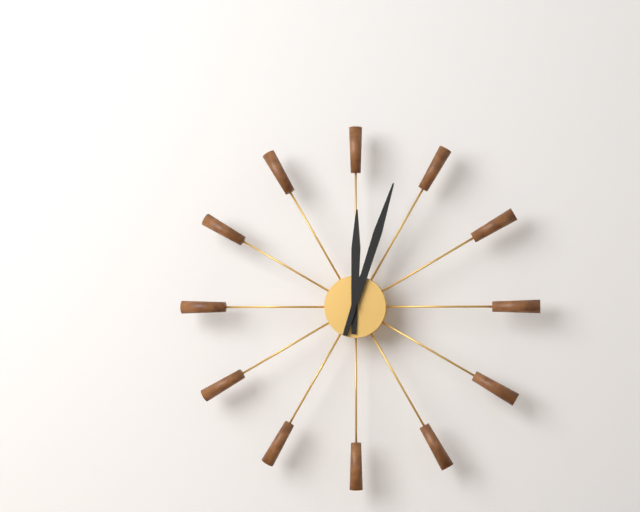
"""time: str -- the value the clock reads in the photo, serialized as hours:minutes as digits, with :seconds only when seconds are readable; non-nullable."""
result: 12:03
